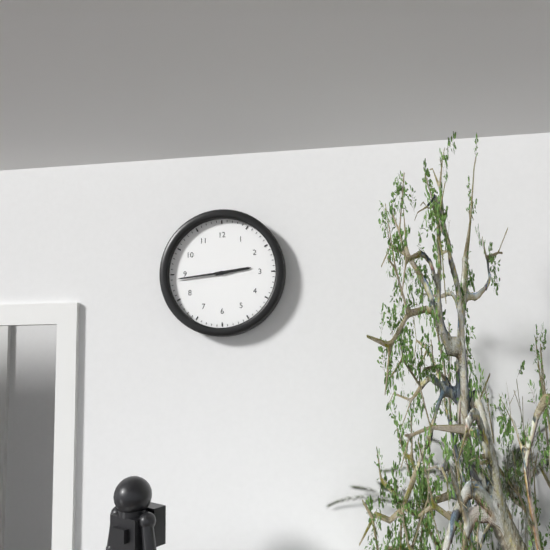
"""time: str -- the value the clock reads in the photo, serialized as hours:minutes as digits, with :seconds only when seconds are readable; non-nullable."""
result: 2:44
